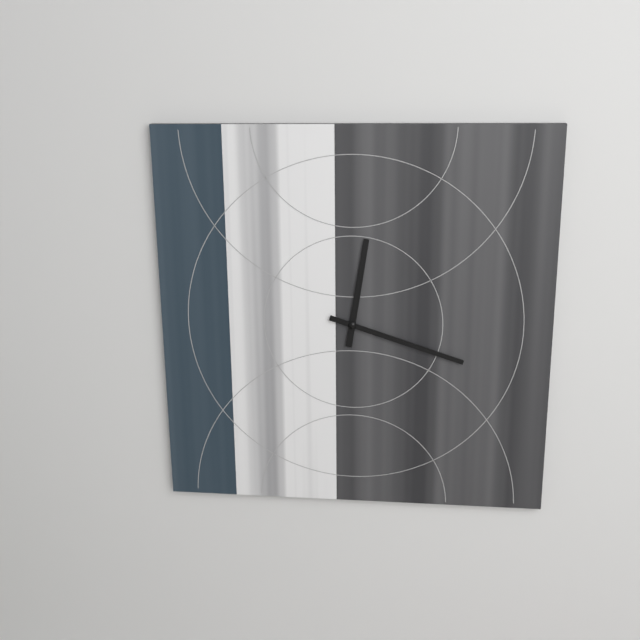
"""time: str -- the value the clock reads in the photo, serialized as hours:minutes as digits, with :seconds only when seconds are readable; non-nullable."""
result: 12:18
